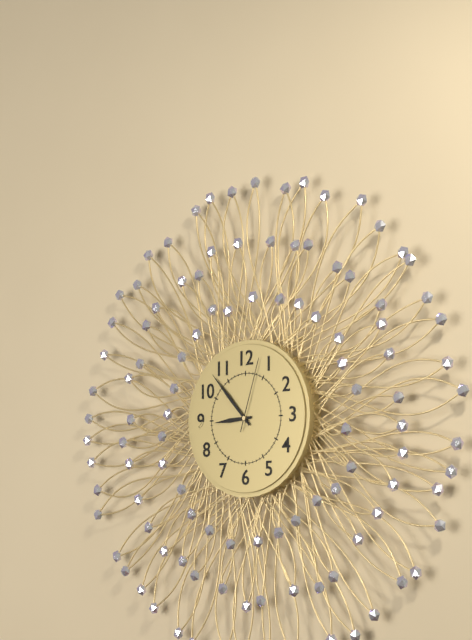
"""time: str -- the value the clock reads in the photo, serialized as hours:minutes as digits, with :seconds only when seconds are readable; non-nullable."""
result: 8:53:03
